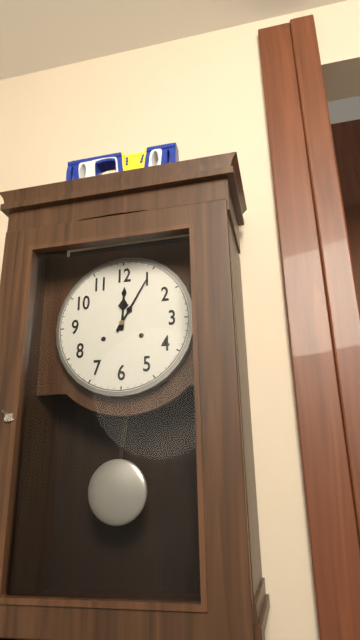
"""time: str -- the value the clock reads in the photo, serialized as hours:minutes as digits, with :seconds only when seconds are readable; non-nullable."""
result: 12:05
